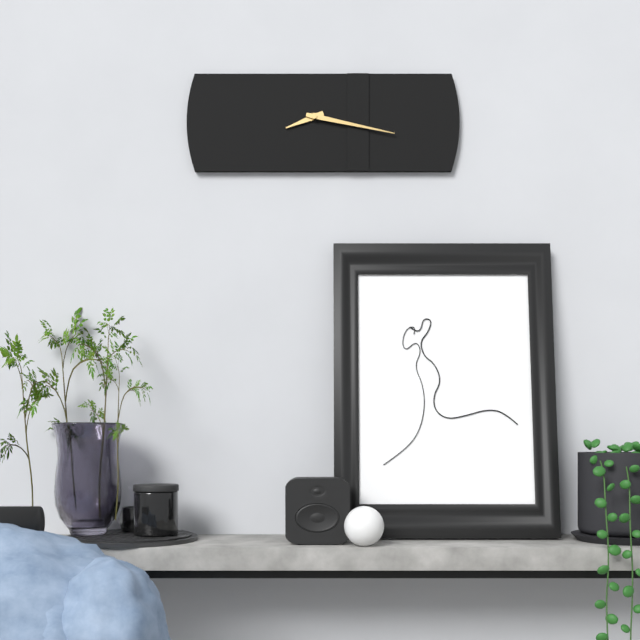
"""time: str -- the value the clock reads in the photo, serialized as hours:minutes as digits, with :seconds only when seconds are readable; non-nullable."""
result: 8:17
